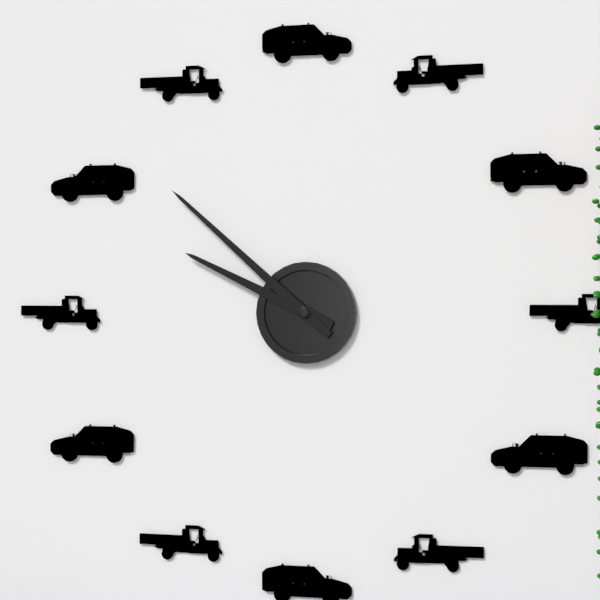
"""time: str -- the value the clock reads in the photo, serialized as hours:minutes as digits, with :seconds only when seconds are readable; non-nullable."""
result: 9:52
